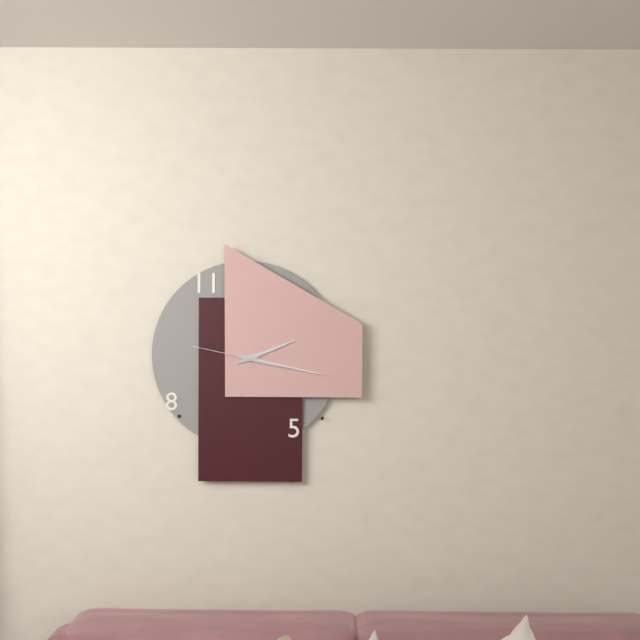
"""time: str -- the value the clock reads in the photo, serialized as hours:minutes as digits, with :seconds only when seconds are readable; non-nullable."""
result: 2:17:47
